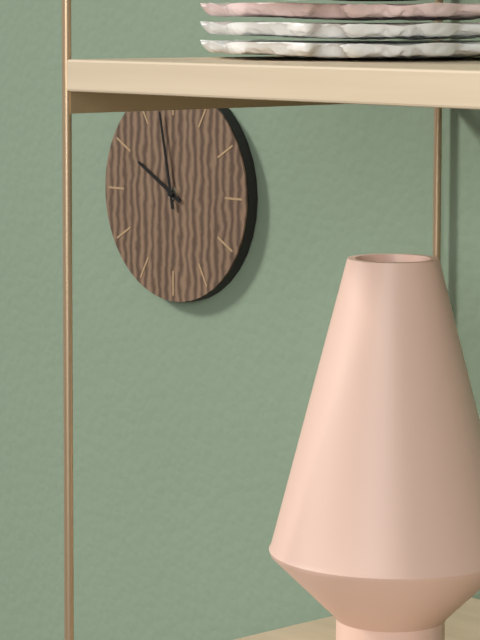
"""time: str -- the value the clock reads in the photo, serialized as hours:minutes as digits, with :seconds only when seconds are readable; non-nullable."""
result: 9:58
